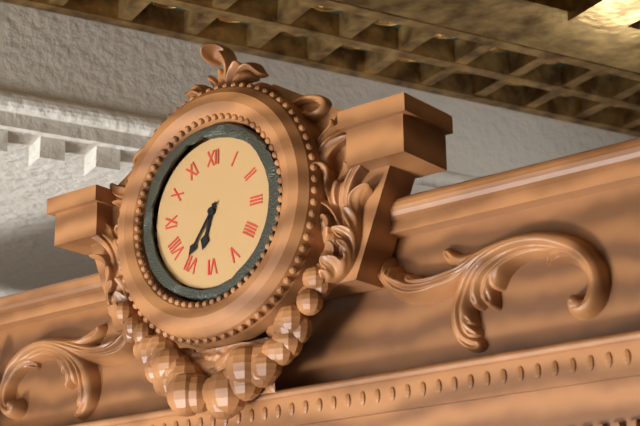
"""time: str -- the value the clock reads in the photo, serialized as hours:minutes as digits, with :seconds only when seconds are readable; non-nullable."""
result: 6:36
